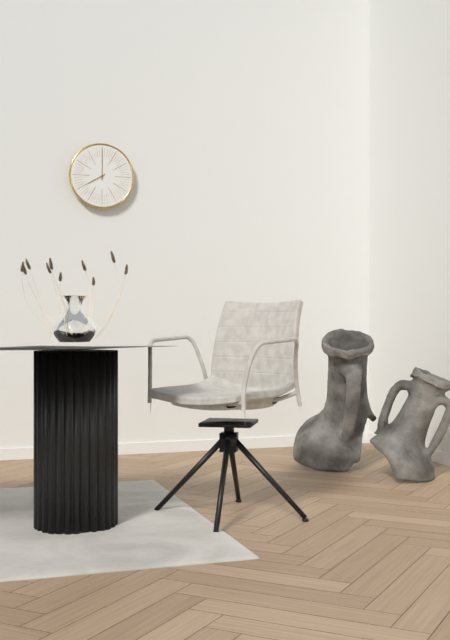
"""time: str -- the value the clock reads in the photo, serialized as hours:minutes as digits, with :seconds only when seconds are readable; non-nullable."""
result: 8:00
